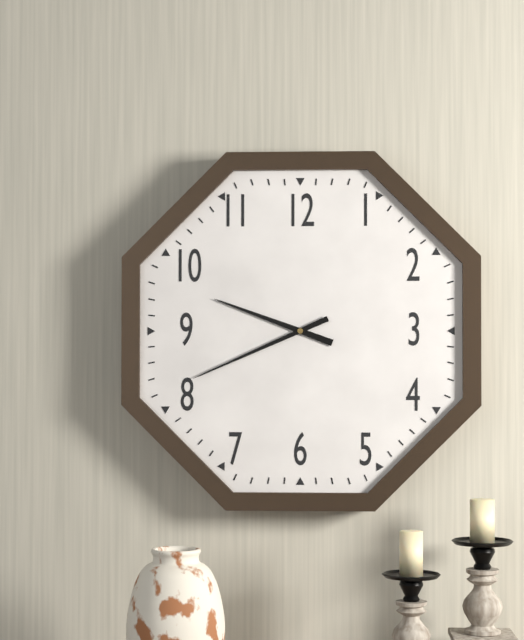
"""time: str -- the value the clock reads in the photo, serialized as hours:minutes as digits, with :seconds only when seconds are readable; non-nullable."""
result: 9:41
